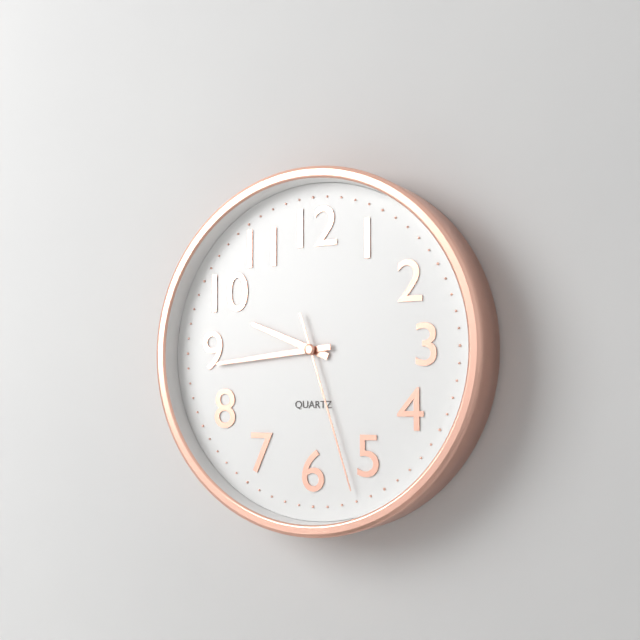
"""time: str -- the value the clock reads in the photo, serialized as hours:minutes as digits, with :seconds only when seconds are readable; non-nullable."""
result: 9:44:27
